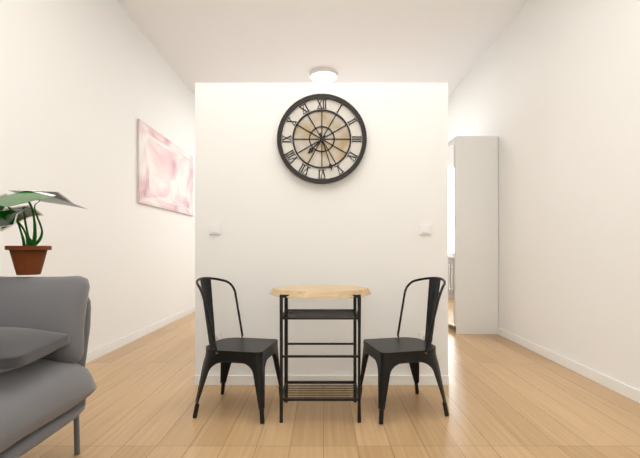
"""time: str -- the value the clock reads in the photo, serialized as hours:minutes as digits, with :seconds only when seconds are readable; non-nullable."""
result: 7:27
